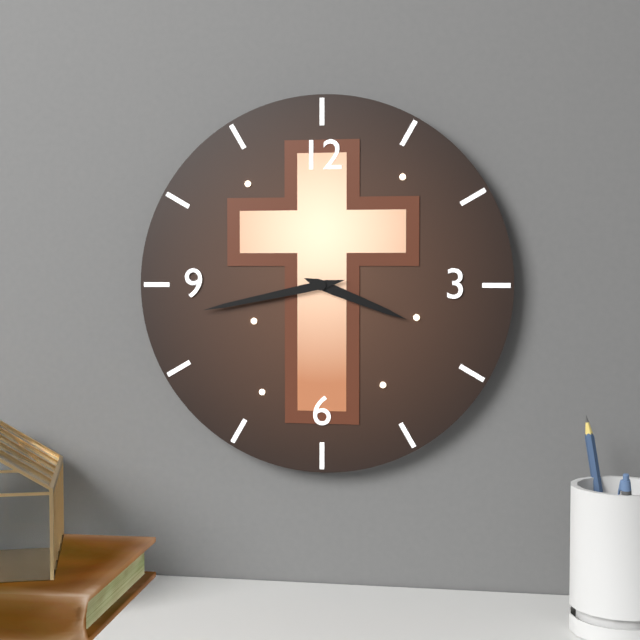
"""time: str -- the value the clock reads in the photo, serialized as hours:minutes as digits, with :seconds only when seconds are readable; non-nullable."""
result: 3:43
